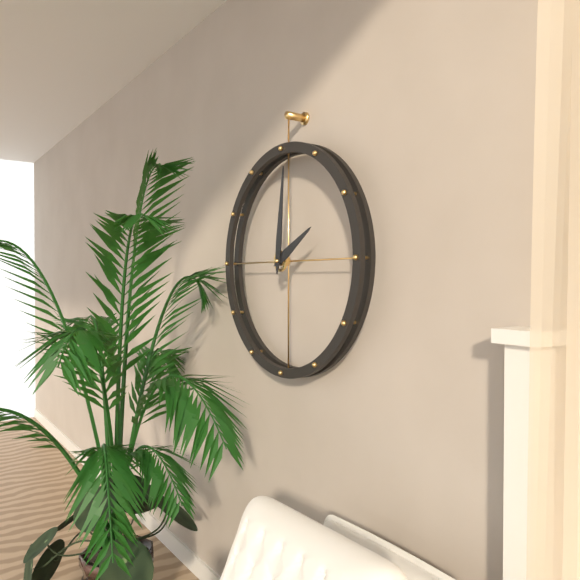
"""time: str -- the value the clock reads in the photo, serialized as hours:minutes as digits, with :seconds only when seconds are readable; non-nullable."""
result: 2:01
